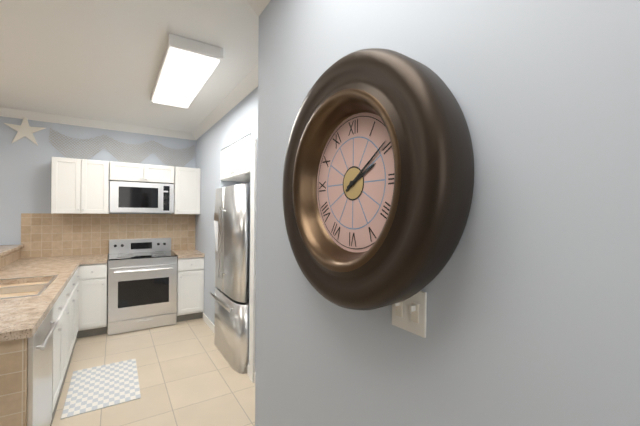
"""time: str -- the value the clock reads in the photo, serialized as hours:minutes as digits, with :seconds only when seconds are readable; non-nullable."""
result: 2:09
